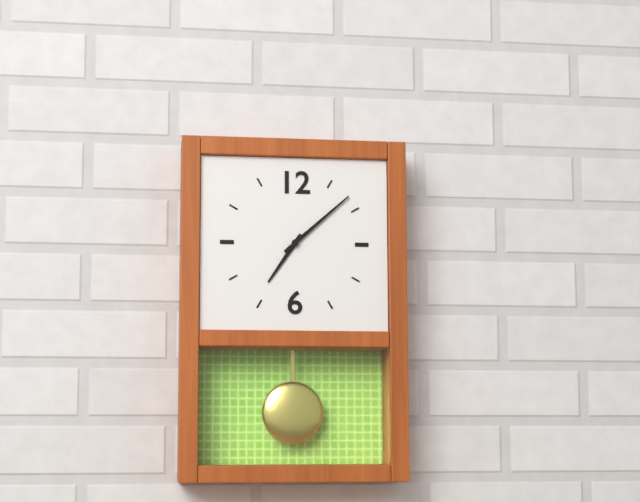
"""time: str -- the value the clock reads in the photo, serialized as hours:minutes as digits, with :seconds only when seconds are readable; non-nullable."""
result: 7:08
